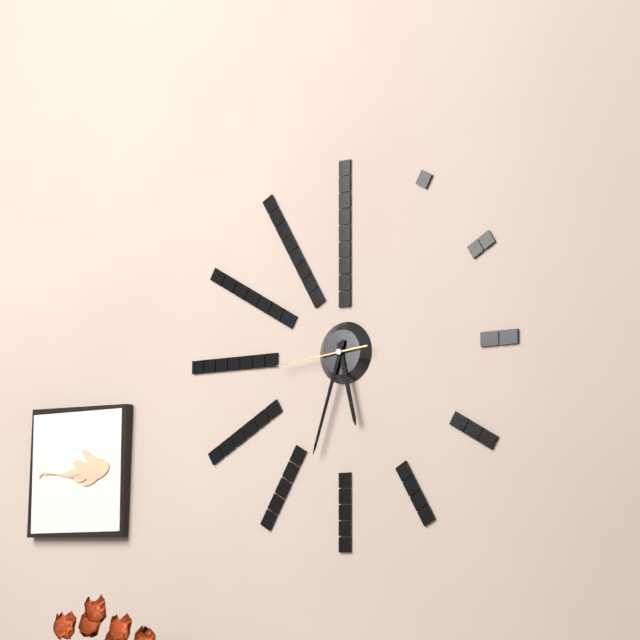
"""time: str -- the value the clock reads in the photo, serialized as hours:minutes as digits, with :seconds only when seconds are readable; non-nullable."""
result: 5:33:44
